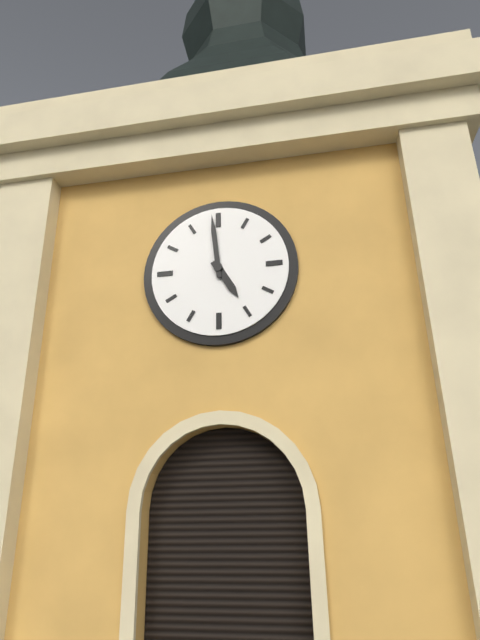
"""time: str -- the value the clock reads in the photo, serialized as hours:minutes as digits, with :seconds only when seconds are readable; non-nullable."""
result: 4:59
